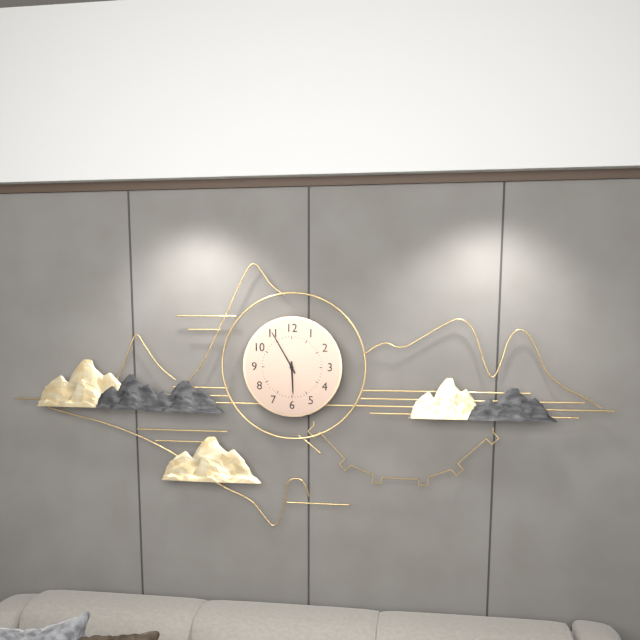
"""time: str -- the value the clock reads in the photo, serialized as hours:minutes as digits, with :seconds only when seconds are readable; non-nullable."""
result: 5:55
